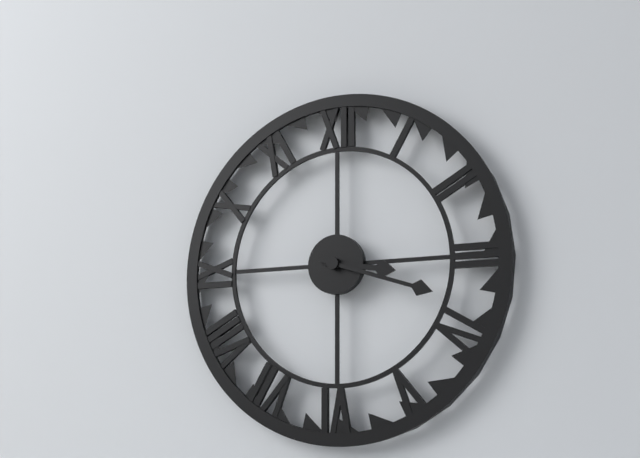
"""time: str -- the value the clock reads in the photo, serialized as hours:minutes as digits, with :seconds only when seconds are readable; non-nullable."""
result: 3:18
